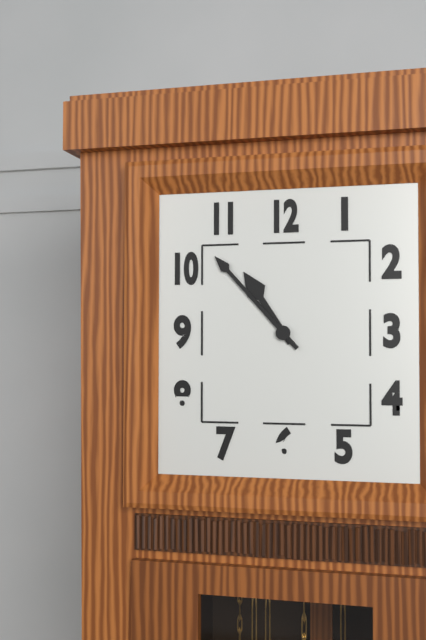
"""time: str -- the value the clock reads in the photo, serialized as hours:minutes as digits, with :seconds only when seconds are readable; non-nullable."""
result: 10:53
